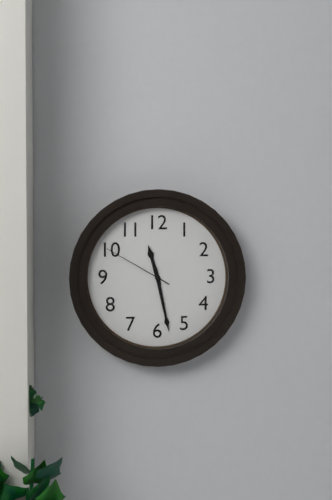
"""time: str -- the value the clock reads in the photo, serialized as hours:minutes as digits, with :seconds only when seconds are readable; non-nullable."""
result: 11:28:50
